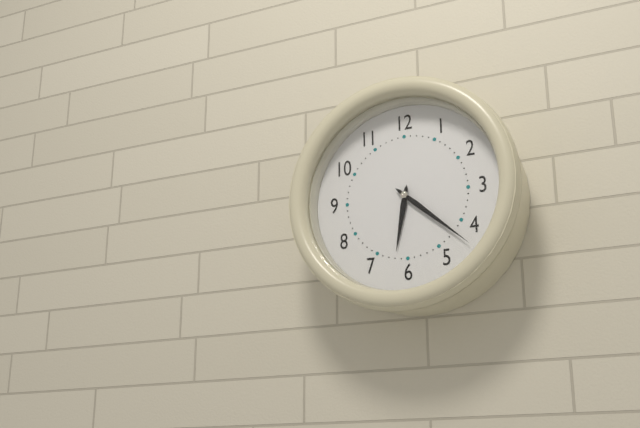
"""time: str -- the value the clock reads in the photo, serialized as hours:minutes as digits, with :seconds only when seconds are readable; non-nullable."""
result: 6:22
